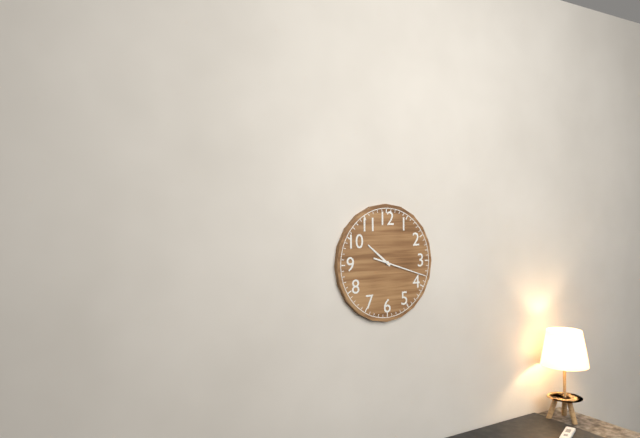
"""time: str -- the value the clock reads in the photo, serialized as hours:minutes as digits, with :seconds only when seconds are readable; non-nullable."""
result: 10:18
